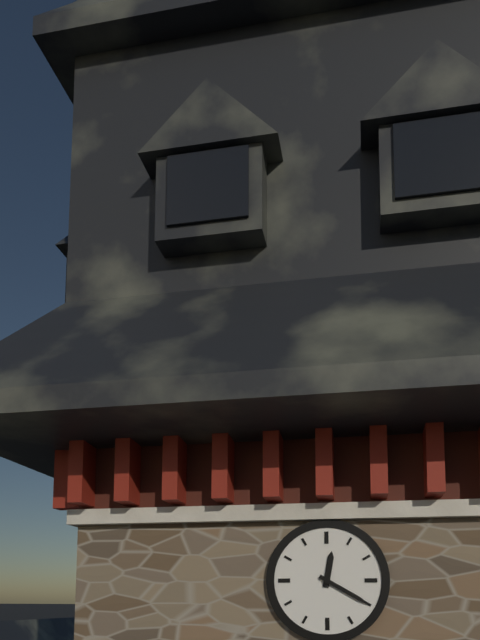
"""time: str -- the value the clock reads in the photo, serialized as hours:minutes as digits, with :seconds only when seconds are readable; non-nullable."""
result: 12:20
